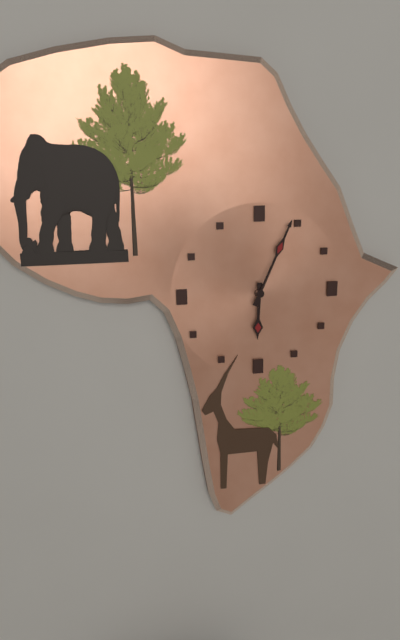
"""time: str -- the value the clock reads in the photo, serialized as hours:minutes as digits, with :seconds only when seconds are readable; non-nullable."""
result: 6:04
